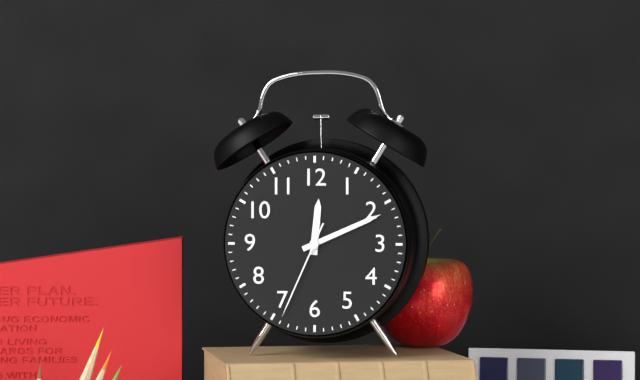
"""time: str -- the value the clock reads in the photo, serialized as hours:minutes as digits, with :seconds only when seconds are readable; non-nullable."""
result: 12:11:34
